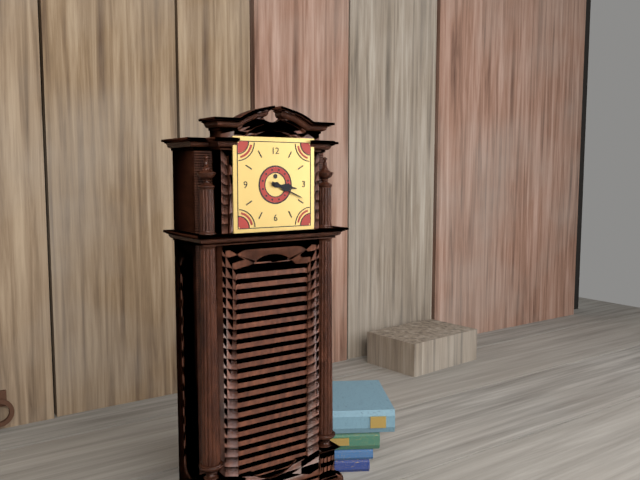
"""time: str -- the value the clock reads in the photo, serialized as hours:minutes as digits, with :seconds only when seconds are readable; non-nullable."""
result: 3:19
